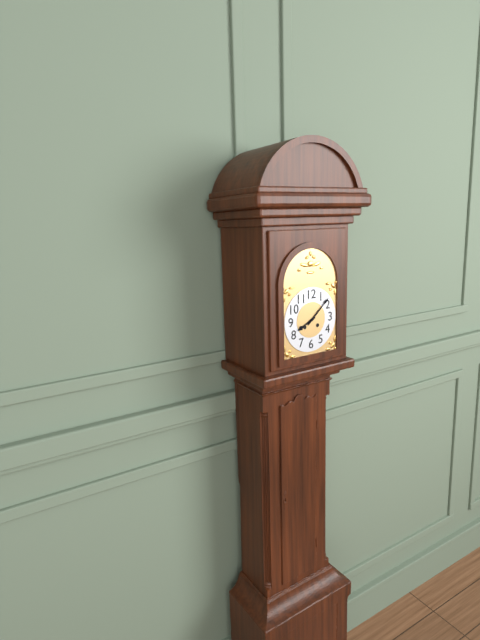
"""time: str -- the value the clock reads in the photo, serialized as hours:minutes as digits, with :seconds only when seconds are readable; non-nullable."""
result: 8:08
